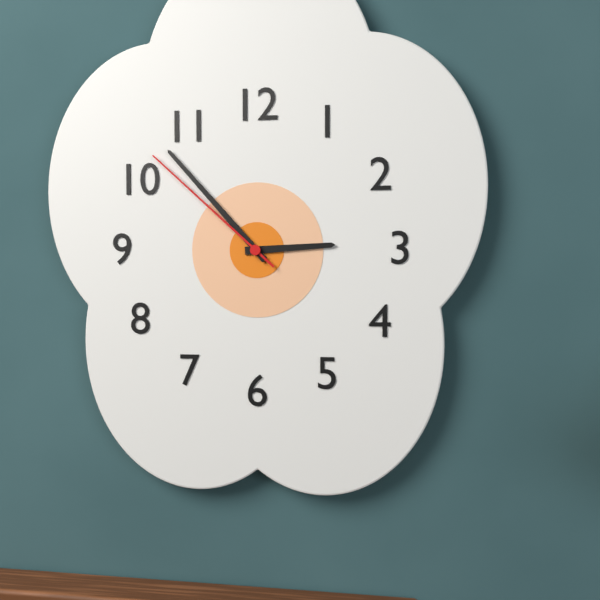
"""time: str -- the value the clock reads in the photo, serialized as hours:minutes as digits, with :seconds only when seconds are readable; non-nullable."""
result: 2:53:52
